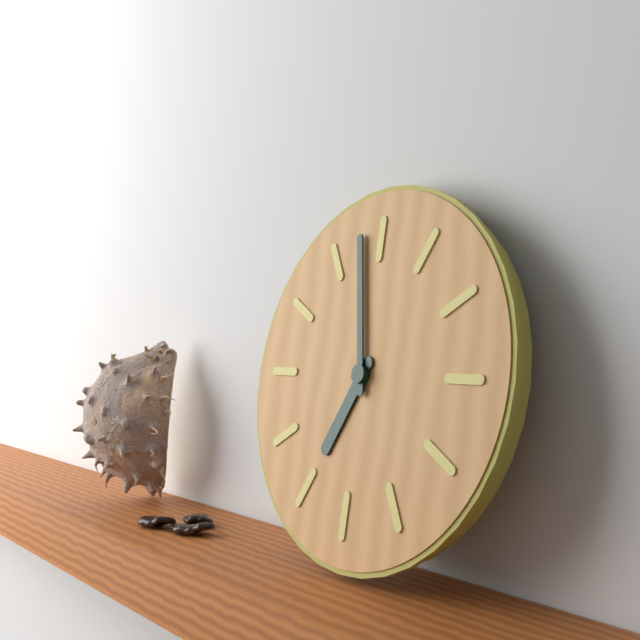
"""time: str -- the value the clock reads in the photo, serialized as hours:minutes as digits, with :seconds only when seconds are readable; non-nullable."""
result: 6:58
